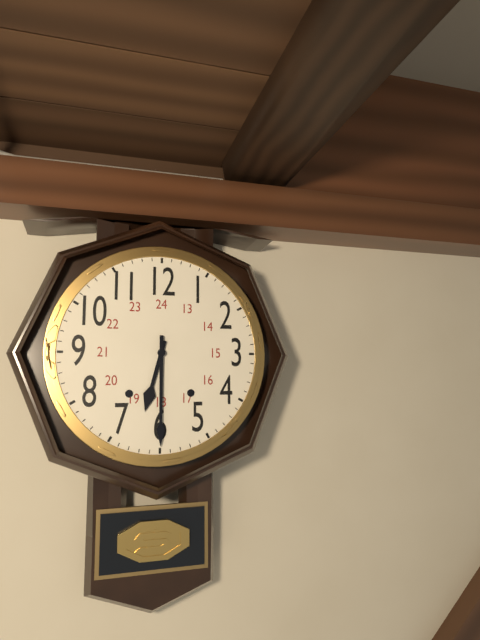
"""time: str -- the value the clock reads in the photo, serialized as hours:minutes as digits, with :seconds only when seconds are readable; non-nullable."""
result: 6:30
